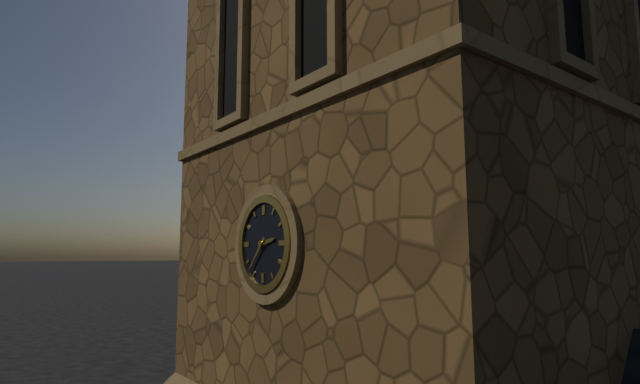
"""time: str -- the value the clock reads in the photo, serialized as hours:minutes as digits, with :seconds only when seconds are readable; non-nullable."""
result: 2:37
